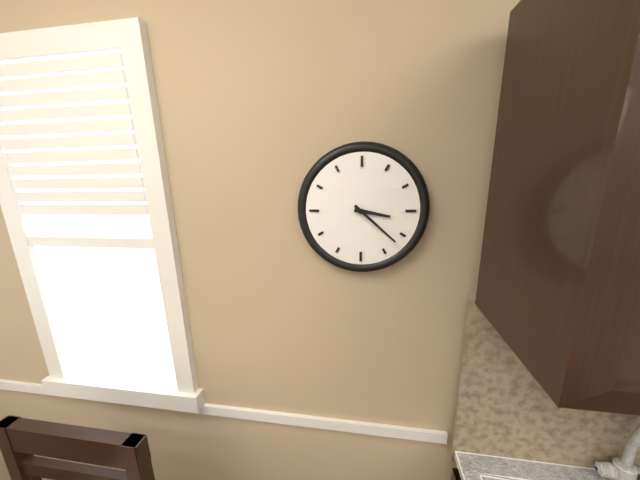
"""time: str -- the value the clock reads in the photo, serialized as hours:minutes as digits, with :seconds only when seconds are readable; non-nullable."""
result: 3:22
